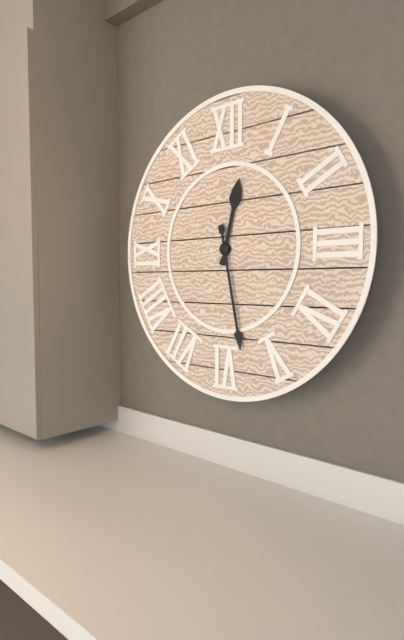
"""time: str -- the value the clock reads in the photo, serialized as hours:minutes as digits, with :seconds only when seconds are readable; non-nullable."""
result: 12:28
